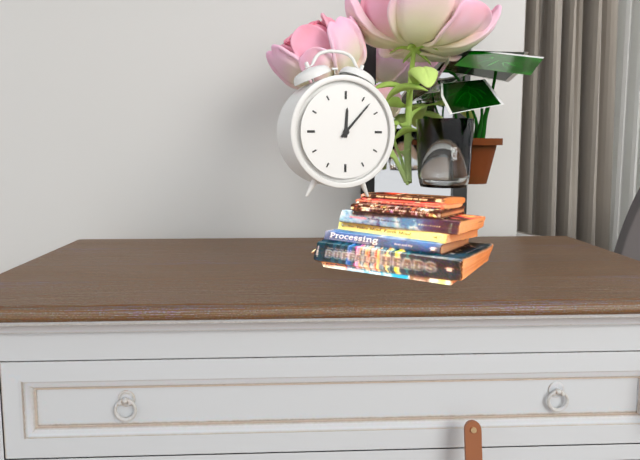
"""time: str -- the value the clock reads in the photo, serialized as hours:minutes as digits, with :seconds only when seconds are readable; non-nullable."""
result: 12:07
